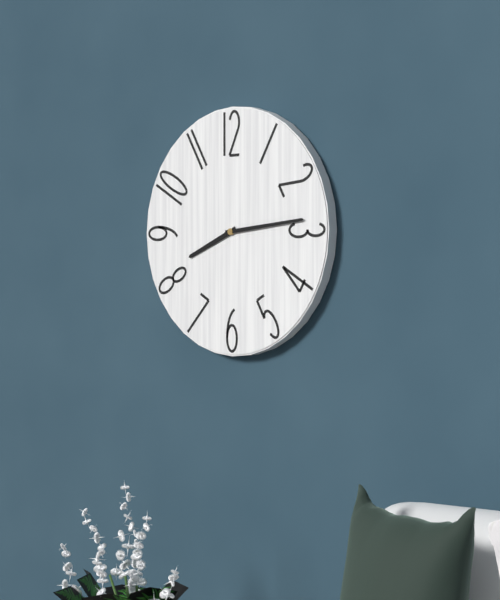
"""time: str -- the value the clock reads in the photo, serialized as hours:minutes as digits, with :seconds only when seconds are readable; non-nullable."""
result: 8:14
